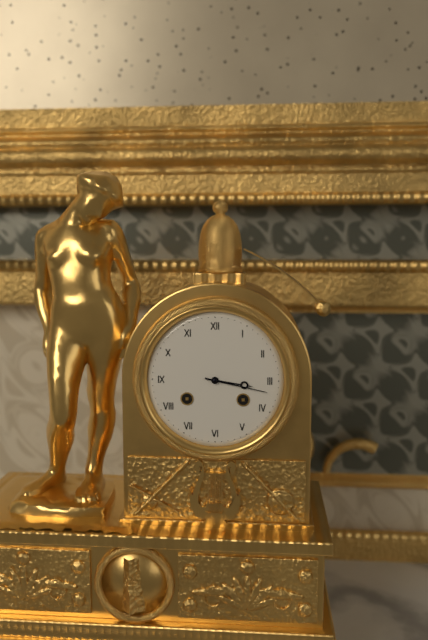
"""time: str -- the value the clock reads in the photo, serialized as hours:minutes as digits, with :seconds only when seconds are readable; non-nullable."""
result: 3:17
